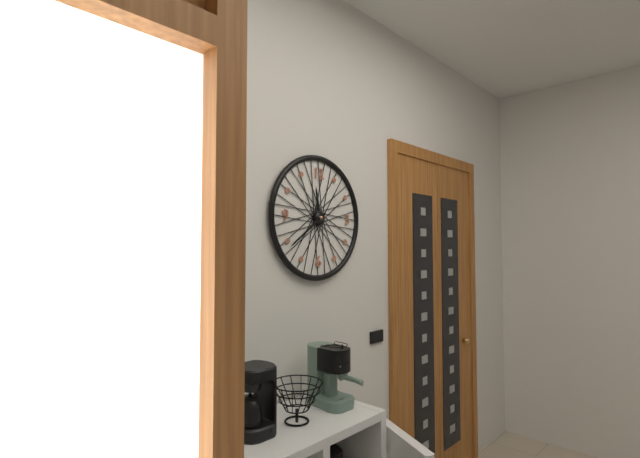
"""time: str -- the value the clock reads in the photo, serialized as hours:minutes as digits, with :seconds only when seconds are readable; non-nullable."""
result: 11:39
